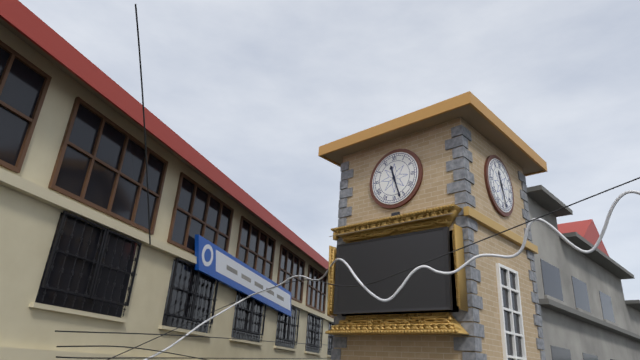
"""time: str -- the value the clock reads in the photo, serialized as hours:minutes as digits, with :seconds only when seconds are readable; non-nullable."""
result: 11:27
